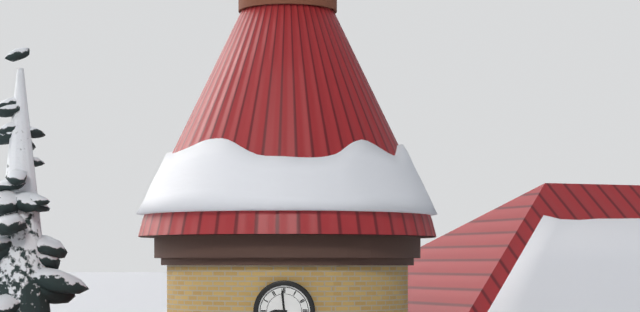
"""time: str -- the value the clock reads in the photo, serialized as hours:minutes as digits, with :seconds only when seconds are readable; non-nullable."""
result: 8:59
